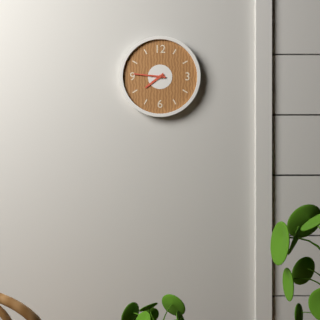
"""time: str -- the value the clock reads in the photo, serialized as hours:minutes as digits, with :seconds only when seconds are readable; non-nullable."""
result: 7:46
